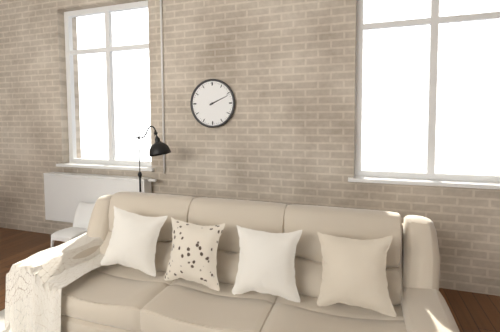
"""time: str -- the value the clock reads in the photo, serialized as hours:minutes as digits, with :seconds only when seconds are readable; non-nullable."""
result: 2:11
